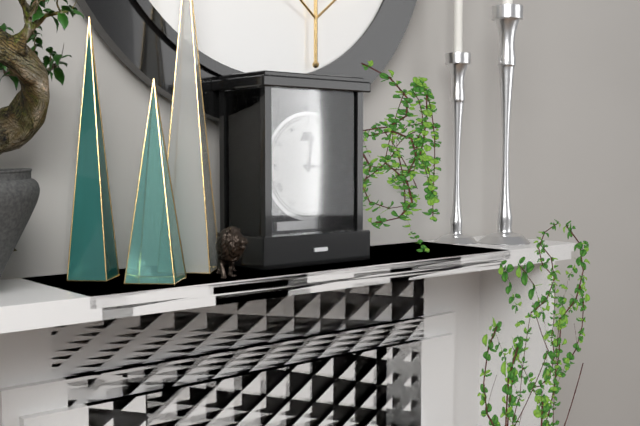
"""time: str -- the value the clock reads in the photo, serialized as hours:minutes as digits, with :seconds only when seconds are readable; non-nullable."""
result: 12:15
